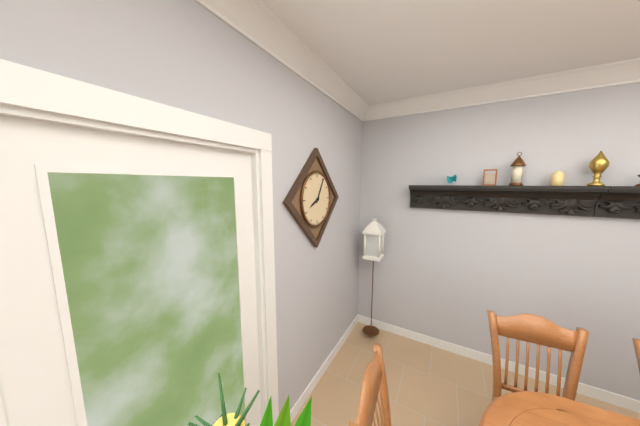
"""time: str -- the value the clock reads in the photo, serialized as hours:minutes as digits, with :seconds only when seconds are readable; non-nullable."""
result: 8:05
